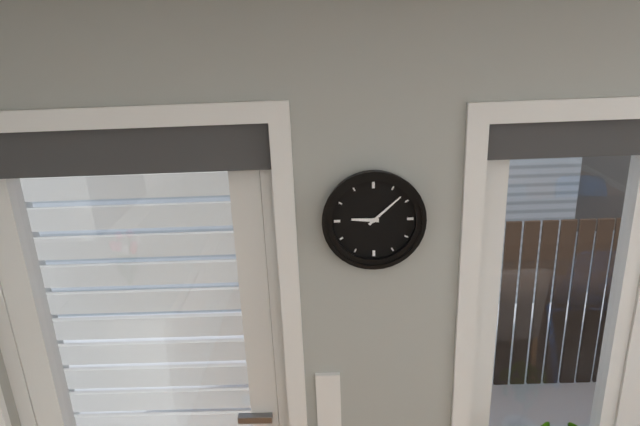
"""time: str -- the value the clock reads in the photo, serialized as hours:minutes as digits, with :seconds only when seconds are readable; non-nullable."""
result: 9:08
